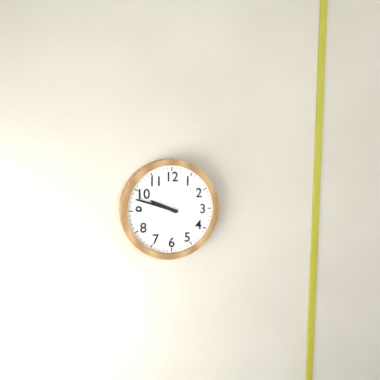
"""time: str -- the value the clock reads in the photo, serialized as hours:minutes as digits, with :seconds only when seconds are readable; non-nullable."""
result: 9:48
